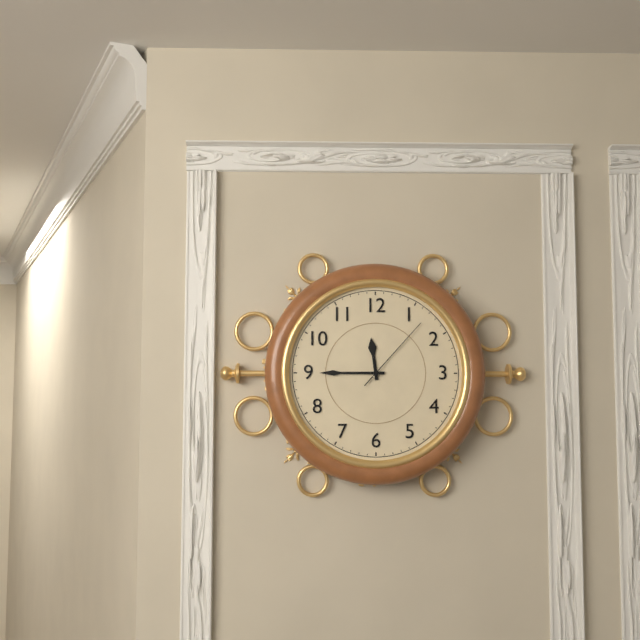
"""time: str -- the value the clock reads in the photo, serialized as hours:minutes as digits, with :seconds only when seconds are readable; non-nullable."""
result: 11:45:07
